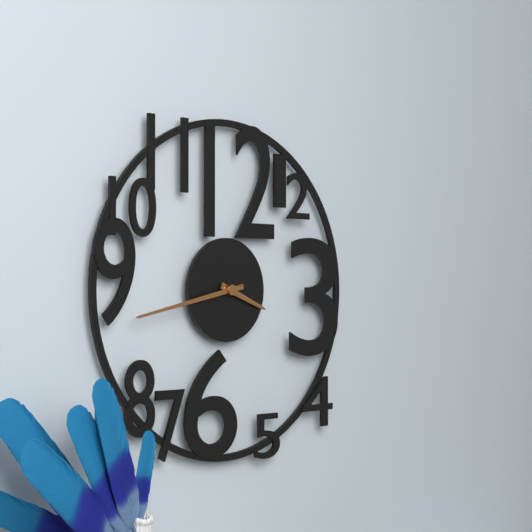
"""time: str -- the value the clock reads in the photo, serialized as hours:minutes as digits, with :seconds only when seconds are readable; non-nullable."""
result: 3:43
